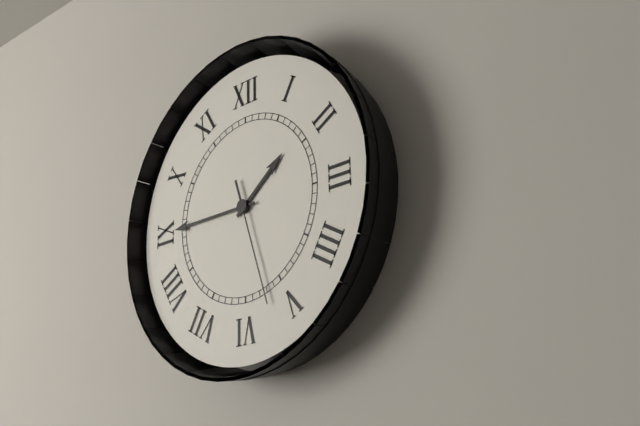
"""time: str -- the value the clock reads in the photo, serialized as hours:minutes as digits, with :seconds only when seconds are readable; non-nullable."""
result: 1:45:27
